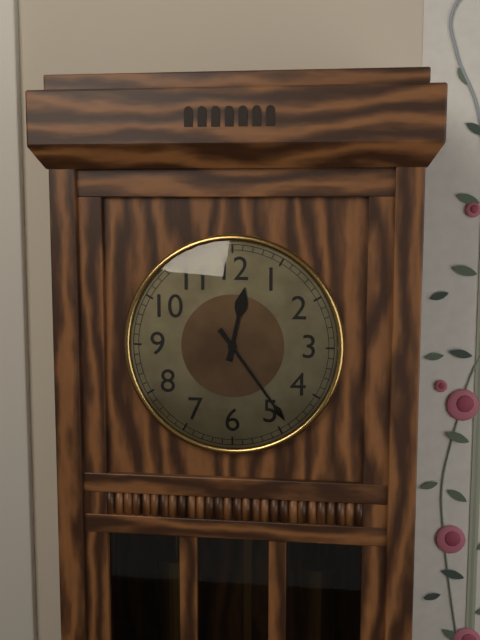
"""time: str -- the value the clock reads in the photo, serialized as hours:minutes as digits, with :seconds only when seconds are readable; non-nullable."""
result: 12:24
